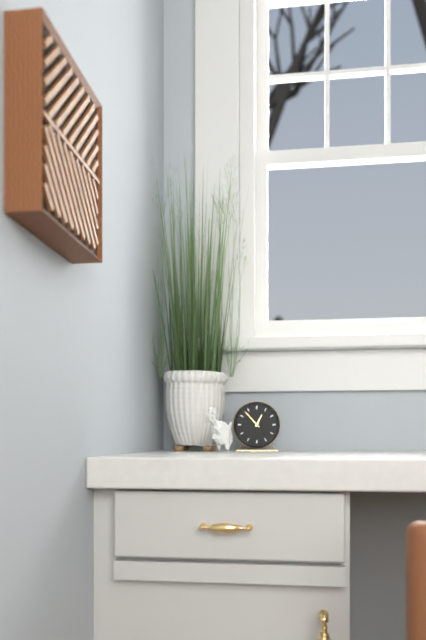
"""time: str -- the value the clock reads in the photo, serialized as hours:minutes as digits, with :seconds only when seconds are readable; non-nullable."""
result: 12:53
